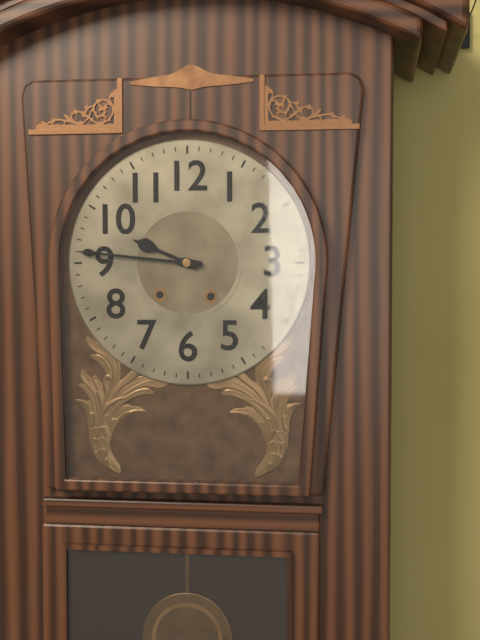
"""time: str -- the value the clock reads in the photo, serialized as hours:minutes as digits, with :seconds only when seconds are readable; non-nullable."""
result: 9:46
